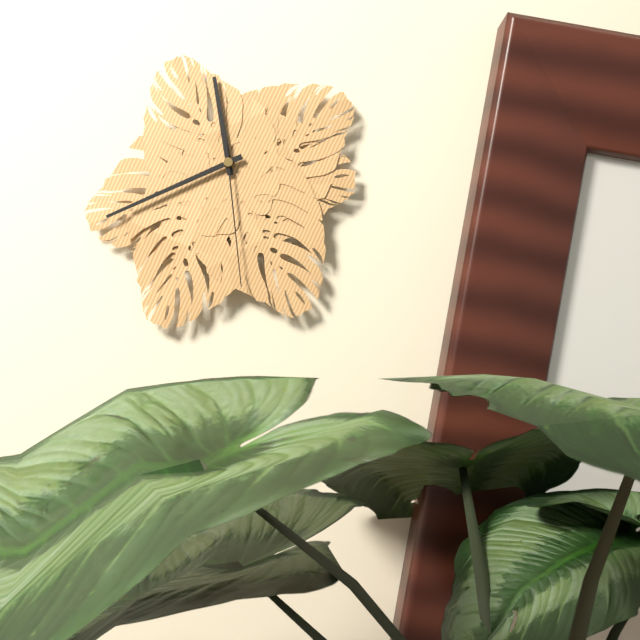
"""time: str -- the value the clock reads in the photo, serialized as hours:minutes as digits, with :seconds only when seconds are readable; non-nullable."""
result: 11:41:29
